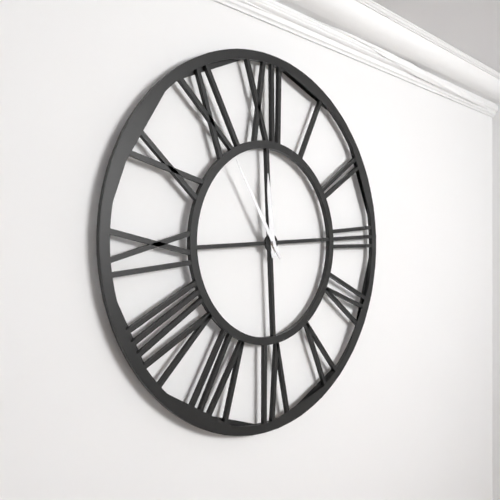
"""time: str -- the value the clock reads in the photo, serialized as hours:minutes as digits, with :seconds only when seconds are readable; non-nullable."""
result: 11:55
